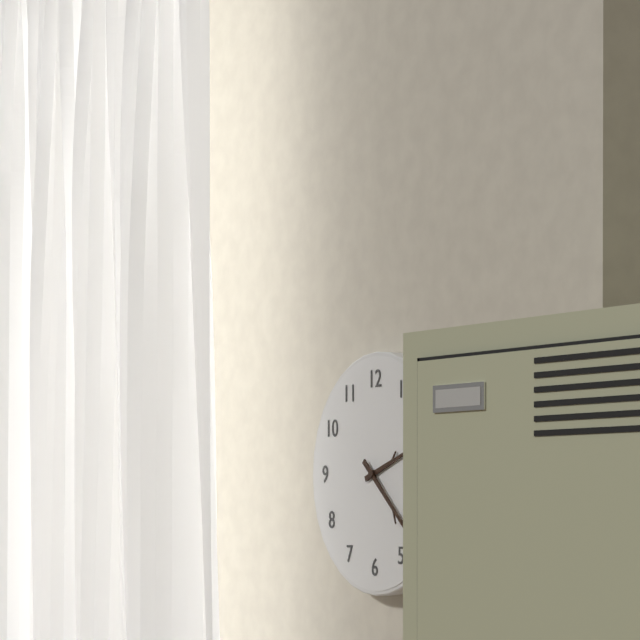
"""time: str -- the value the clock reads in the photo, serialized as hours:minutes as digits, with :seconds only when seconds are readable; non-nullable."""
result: 2:22
